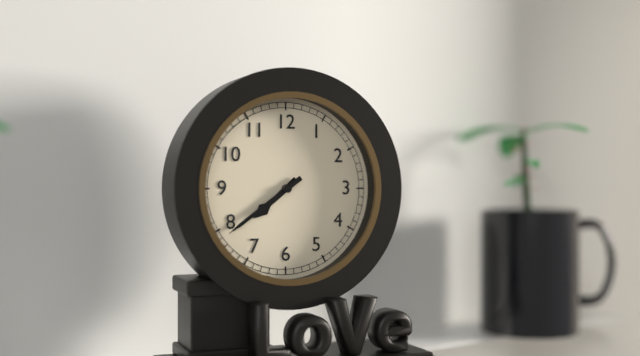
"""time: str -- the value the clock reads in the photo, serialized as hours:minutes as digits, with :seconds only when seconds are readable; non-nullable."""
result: 7:39
